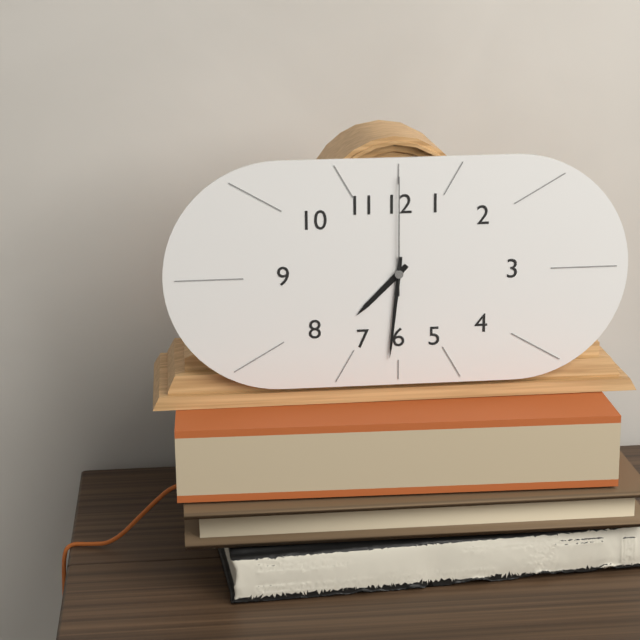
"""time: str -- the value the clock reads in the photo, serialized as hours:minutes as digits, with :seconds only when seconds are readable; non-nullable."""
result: 7:31:00
